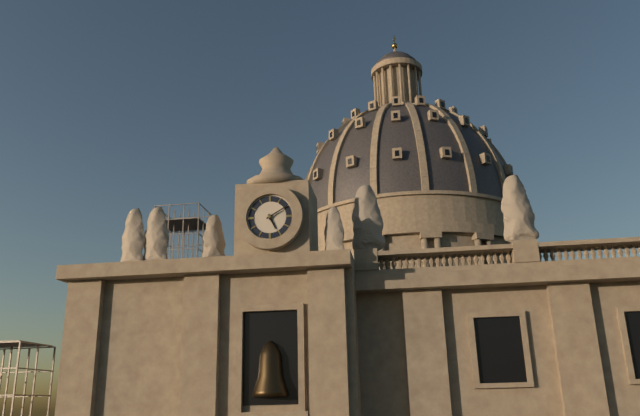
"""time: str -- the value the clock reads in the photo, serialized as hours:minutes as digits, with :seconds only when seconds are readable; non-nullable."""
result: 5:10
